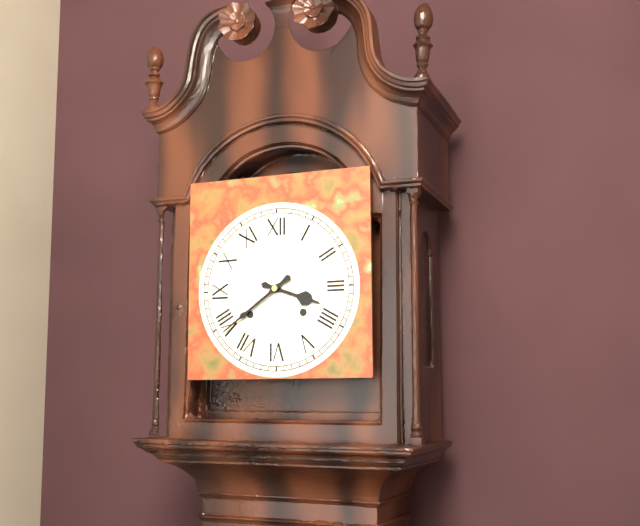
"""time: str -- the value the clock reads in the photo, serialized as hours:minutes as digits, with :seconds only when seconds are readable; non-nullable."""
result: 3:39
